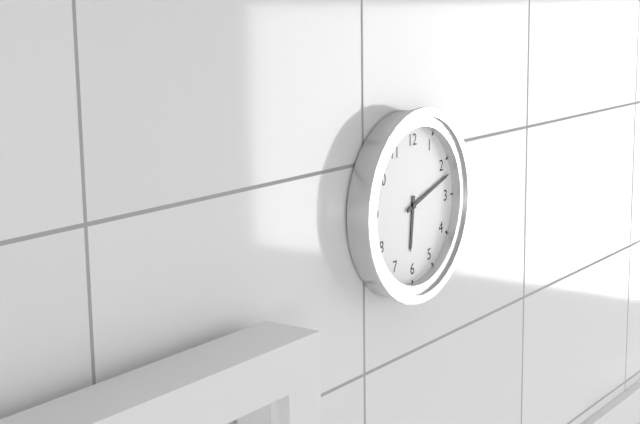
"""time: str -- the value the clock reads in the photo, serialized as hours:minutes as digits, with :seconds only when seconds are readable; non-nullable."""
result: 6:12
